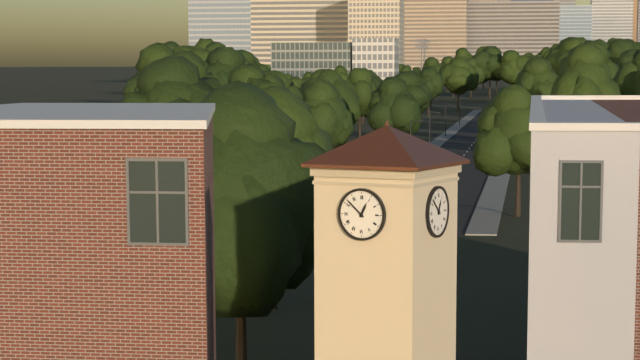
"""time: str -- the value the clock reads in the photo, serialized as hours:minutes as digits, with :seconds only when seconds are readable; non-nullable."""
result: 12:52
